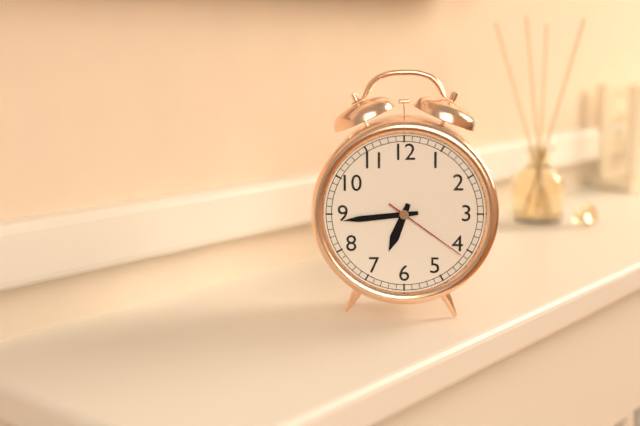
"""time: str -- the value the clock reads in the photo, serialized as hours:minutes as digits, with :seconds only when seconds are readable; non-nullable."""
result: 6:44:21
